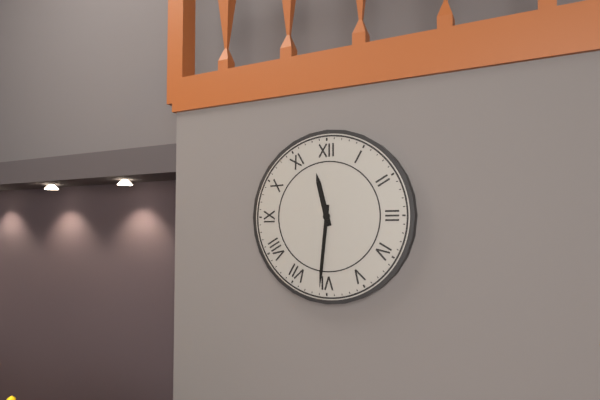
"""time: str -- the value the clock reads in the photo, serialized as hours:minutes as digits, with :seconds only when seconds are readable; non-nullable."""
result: 11:31
